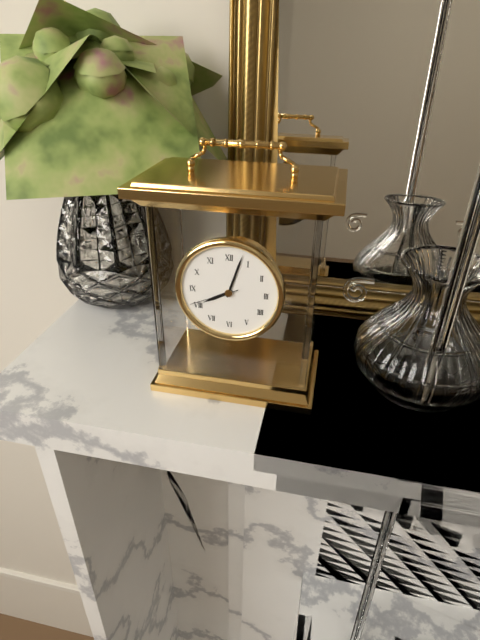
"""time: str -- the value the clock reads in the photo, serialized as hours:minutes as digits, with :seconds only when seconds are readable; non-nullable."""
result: 8:03:41
